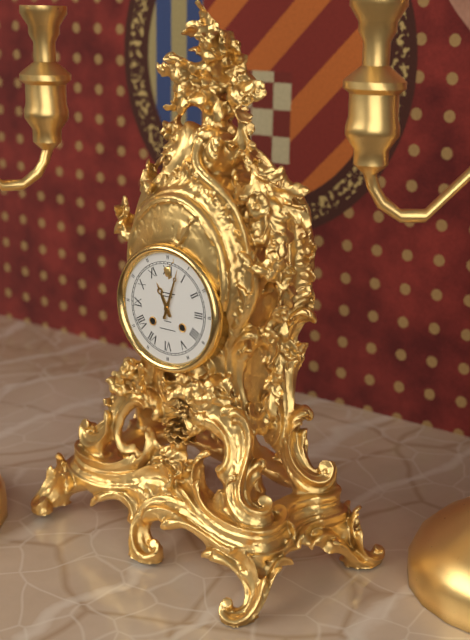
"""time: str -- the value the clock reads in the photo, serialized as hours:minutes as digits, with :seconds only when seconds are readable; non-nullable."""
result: 11:03
